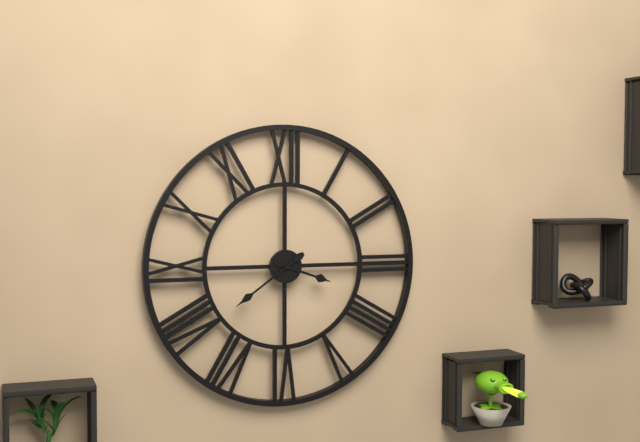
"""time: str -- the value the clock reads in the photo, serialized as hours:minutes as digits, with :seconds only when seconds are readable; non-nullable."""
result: 3:39
